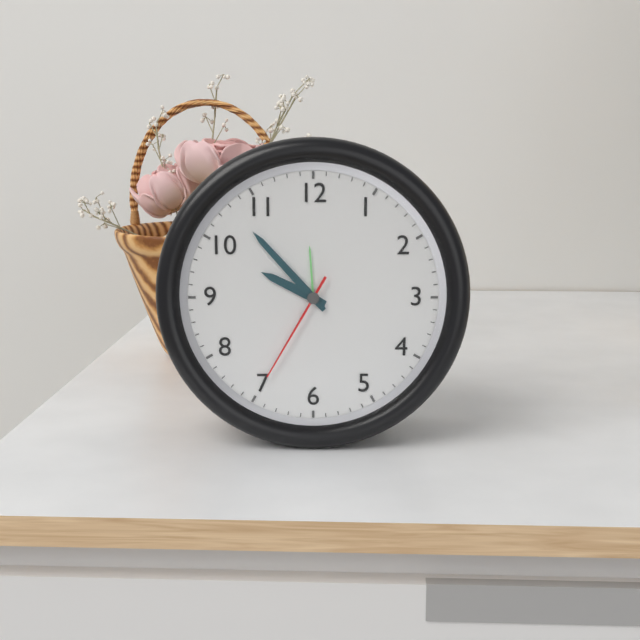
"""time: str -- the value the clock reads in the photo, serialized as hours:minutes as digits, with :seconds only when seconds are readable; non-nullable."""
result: 9:53:35
